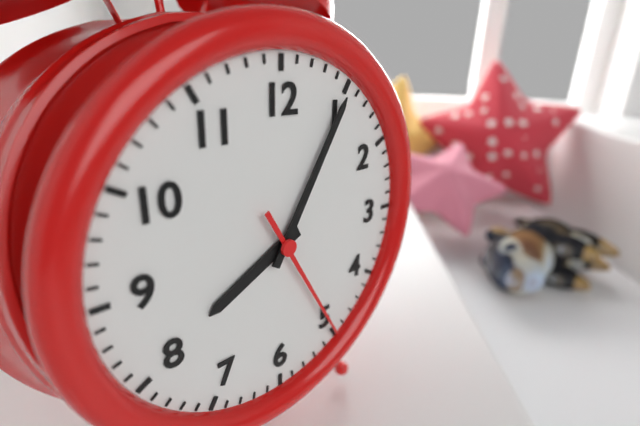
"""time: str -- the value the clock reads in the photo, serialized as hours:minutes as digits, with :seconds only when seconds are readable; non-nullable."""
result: 8:05:25
